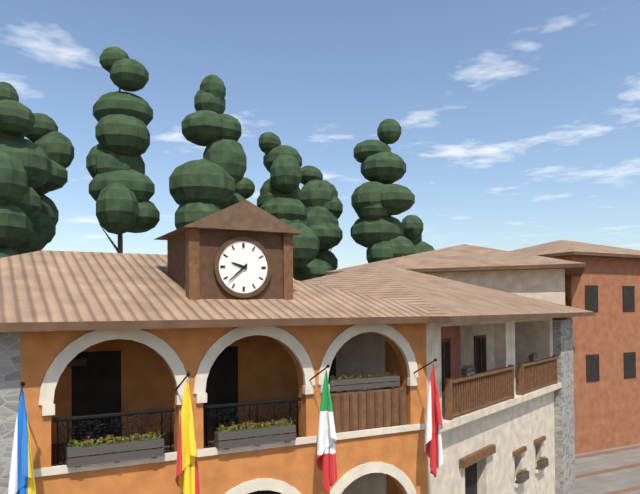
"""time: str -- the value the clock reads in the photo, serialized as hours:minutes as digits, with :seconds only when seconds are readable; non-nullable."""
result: 9:38
